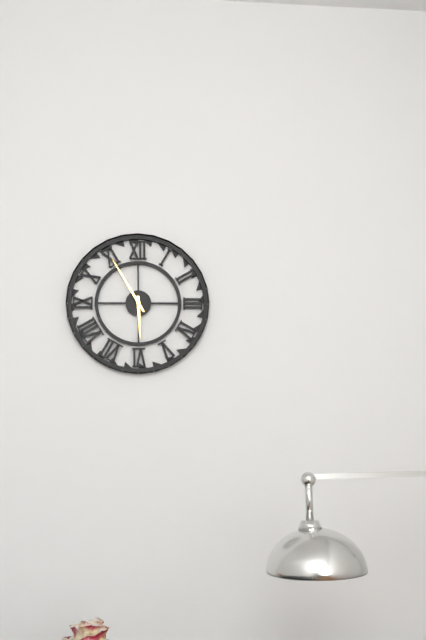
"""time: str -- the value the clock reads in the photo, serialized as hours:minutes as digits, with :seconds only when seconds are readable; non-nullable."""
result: 5:55
